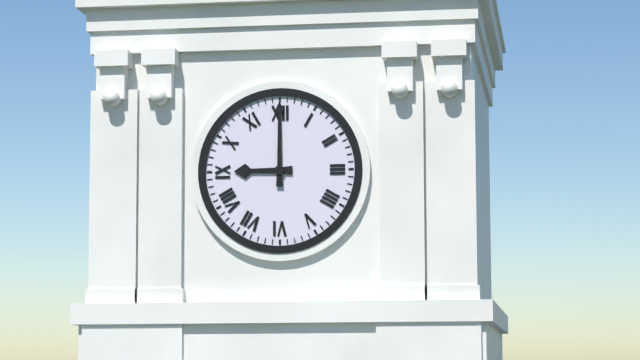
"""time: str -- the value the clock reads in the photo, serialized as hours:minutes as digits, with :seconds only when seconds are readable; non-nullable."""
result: 9:00
